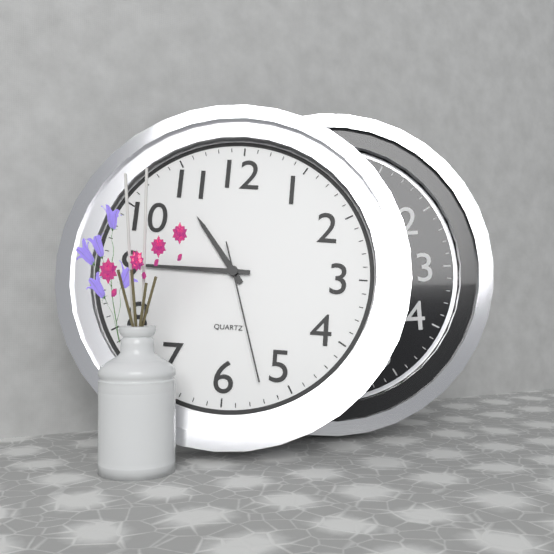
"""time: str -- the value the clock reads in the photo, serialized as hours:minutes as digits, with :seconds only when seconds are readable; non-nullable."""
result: 10:45:27
